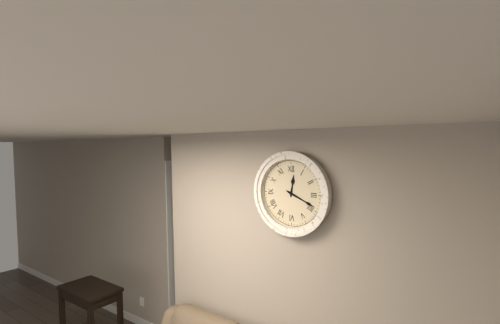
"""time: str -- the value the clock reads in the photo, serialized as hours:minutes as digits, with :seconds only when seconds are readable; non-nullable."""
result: 12:19
